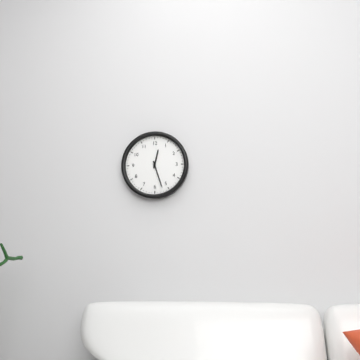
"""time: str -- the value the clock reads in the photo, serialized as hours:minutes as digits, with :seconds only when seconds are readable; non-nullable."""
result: 12:27
